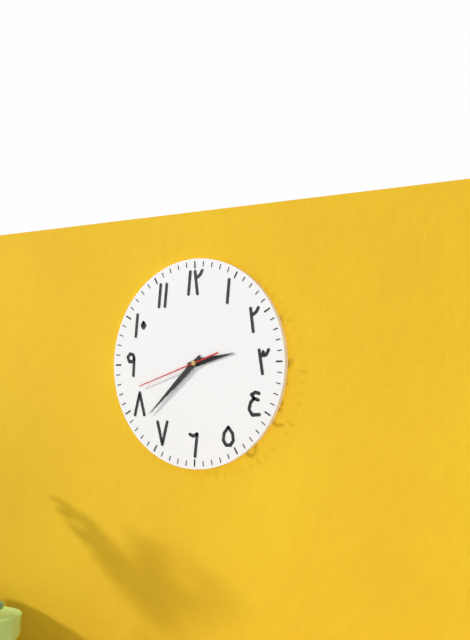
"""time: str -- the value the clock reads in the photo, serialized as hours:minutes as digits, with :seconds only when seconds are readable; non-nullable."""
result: 2:38:42
